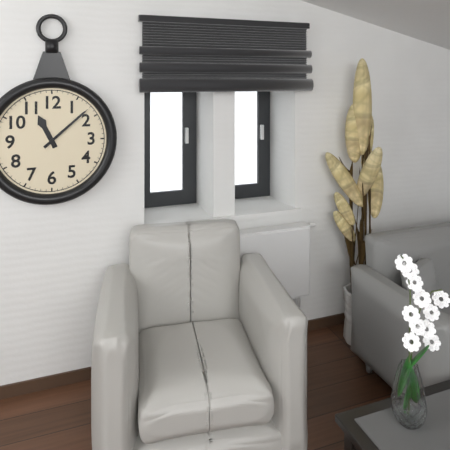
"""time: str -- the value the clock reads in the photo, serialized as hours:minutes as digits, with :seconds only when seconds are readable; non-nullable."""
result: 11:08
